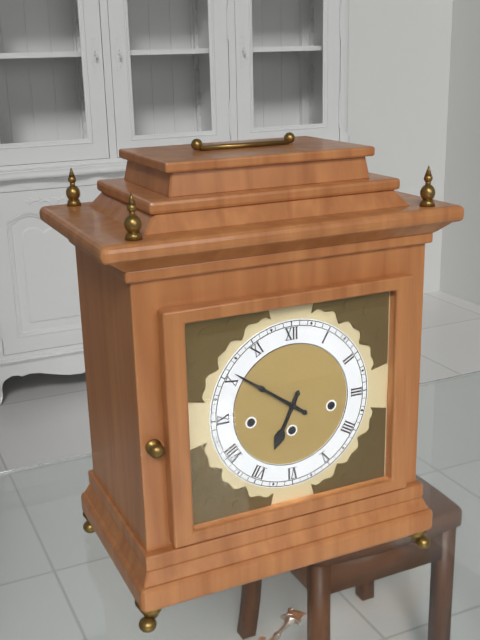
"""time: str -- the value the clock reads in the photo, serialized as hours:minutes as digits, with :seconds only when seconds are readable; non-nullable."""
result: 6:51
